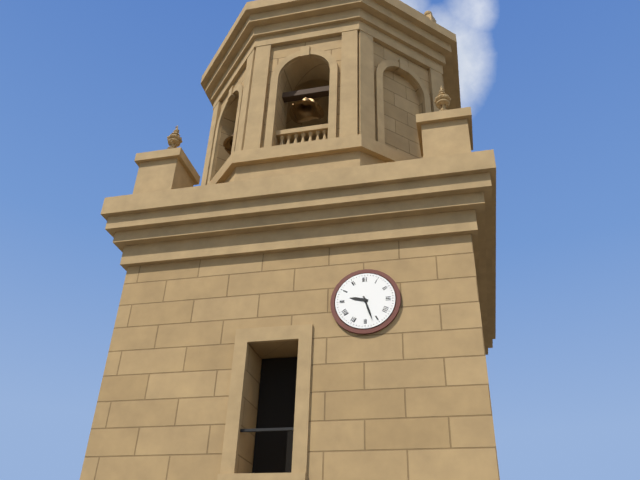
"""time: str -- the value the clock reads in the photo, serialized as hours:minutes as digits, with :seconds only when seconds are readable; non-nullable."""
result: 9:27
